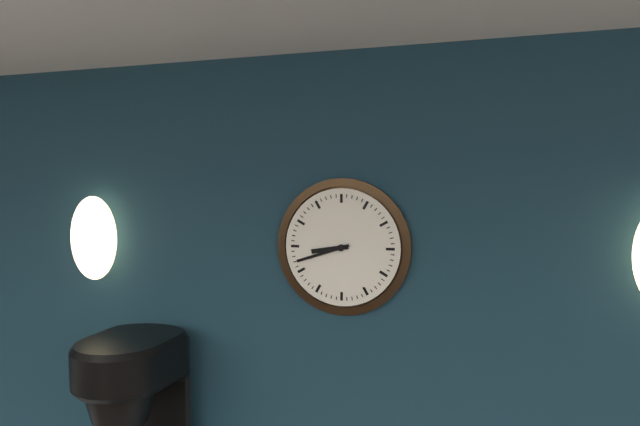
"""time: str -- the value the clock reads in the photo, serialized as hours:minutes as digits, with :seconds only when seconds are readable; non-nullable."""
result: 8:42
